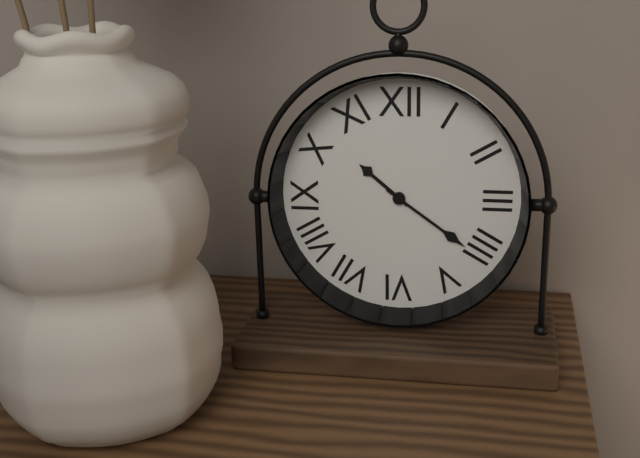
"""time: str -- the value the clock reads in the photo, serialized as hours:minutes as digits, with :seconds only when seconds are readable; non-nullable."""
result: 10:21
